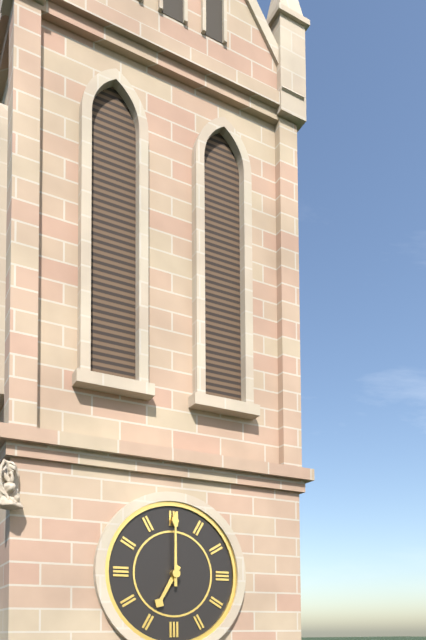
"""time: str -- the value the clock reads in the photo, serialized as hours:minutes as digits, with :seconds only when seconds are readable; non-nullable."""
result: 7:00
